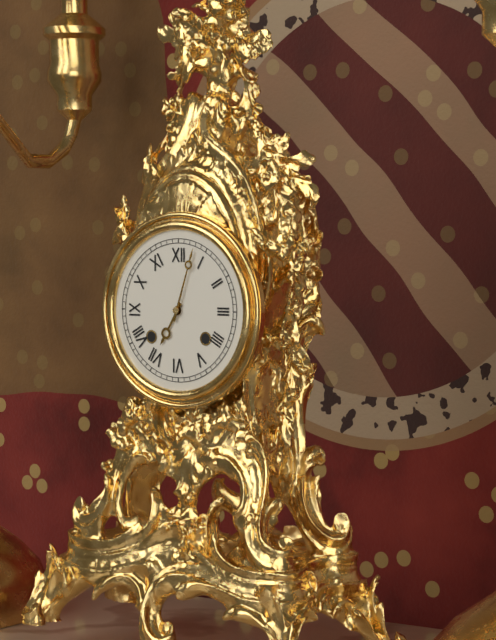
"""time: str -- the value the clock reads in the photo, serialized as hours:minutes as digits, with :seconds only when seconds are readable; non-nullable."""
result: 7:03
